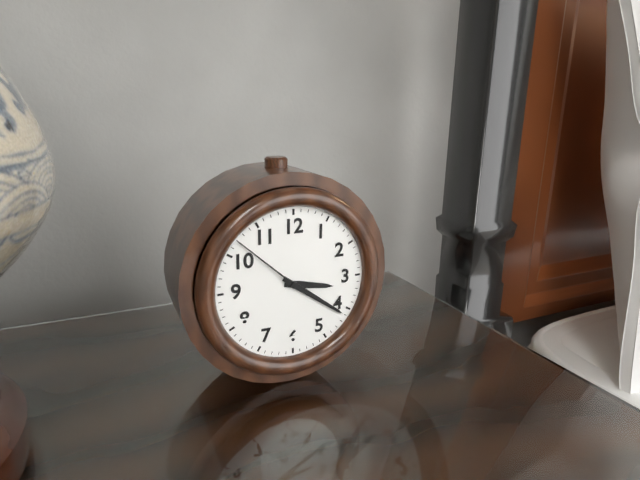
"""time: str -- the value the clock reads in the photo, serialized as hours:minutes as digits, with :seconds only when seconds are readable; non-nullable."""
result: 3:21:52
